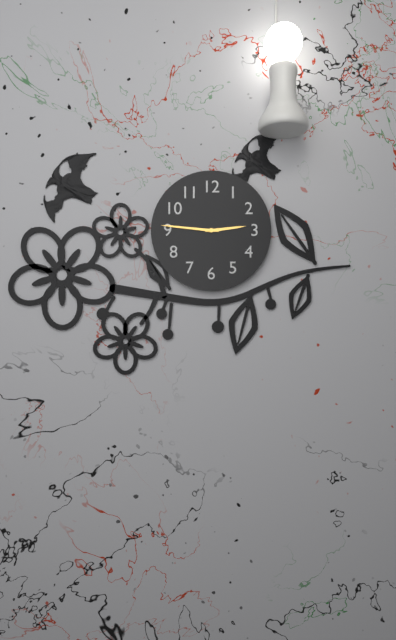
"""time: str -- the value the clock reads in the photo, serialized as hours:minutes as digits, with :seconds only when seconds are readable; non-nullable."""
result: 2:46
